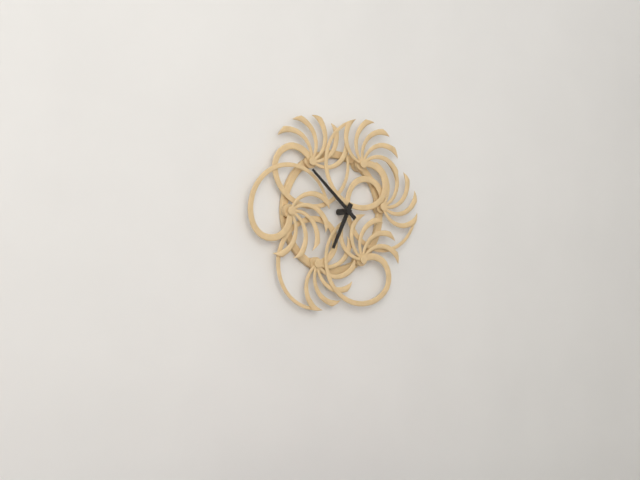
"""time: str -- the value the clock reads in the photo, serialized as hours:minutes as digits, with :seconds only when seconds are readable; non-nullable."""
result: 6:52
